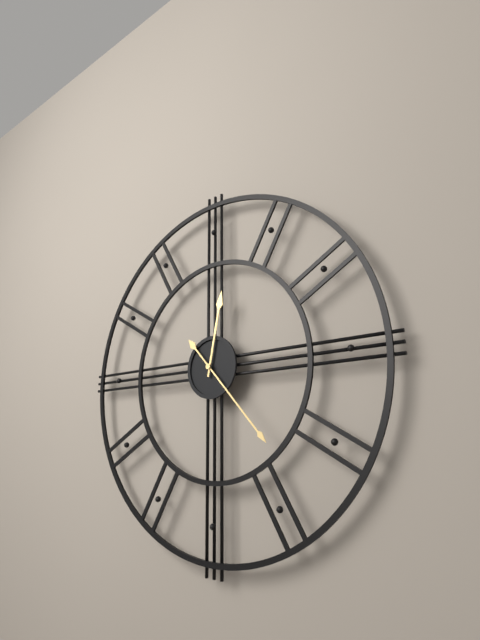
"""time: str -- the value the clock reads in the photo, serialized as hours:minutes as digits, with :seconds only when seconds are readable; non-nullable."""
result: 12:23
